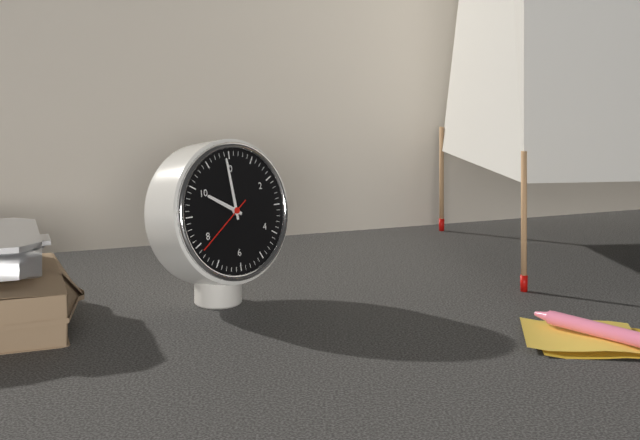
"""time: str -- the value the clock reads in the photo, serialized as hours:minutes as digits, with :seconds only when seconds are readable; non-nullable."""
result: 9:59:39
